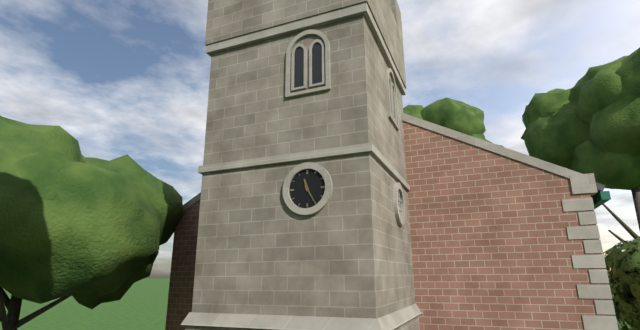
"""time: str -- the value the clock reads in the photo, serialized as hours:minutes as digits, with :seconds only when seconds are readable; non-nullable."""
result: 11:25
